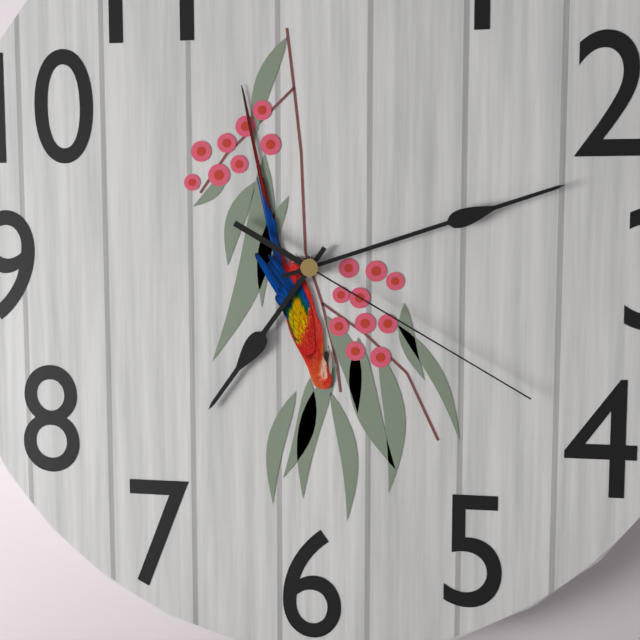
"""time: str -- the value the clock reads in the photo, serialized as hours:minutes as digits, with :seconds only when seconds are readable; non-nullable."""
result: 7:12:20
